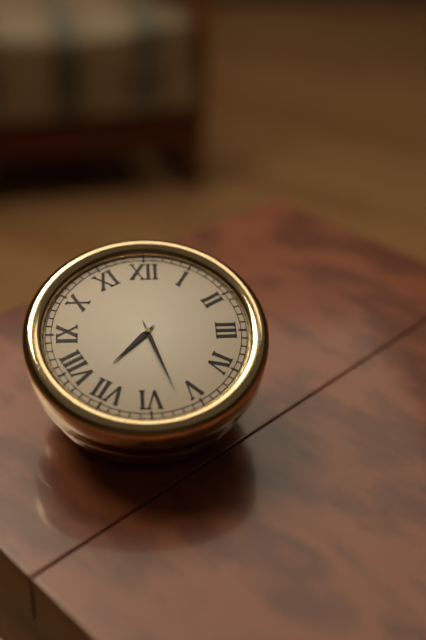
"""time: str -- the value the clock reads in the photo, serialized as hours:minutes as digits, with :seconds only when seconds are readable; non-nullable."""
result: 7:27
